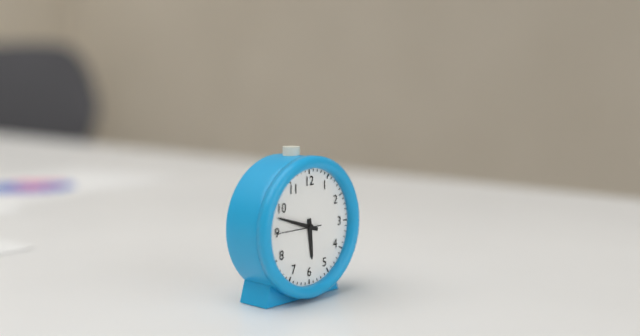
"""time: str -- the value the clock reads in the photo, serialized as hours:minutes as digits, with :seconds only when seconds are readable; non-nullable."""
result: 5:48
